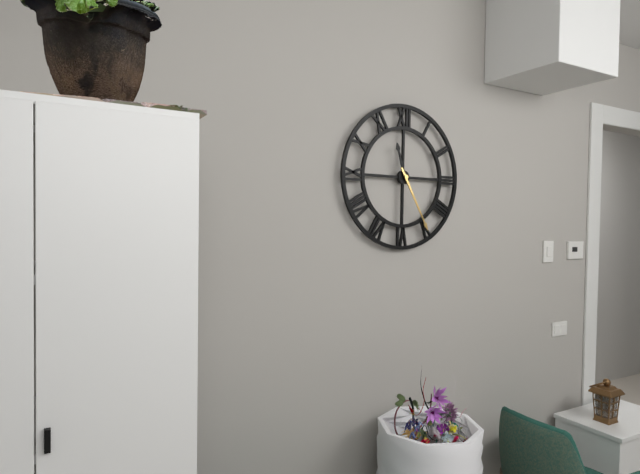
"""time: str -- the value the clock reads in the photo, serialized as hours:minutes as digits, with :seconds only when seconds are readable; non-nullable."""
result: 11:25
